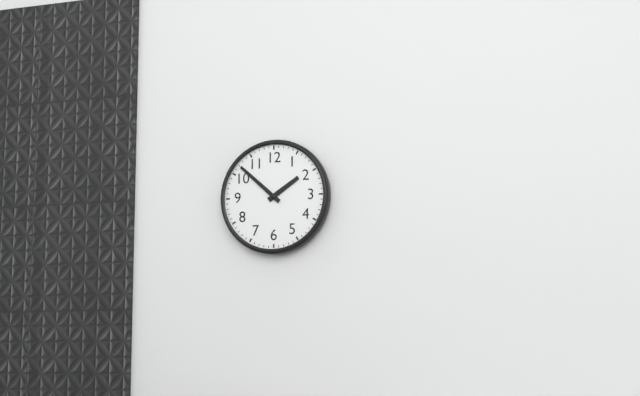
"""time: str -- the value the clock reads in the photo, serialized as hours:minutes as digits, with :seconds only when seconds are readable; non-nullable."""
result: 1:52
